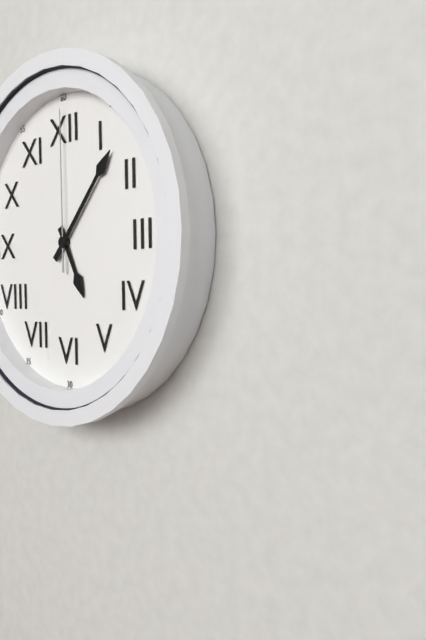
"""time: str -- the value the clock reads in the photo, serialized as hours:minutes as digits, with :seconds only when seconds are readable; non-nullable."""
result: 5:07:00
